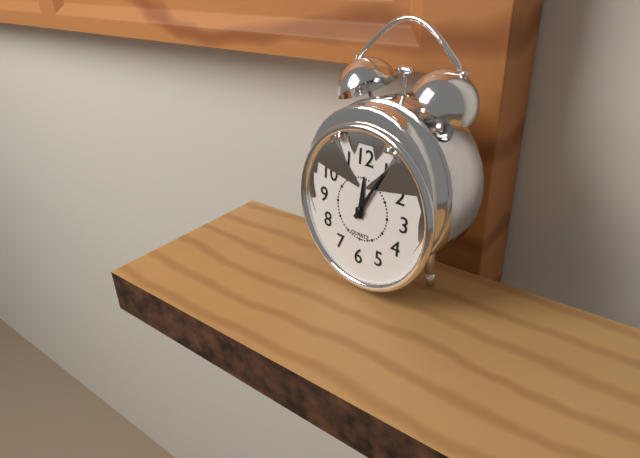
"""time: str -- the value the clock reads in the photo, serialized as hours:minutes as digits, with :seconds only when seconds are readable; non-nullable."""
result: 12:05
